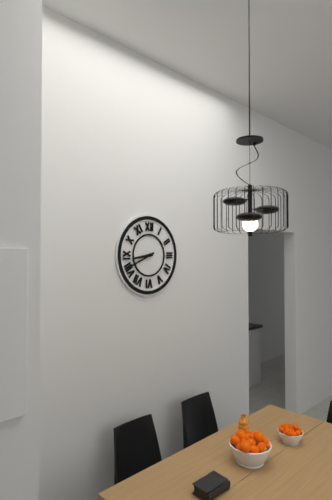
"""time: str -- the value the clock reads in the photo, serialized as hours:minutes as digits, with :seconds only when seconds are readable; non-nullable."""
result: 8:41
